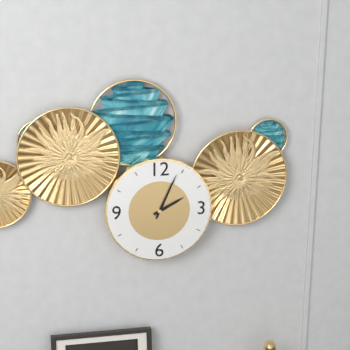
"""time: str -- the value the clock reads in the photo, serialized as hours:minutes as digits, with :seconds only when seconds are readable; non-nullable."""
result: 2:04
